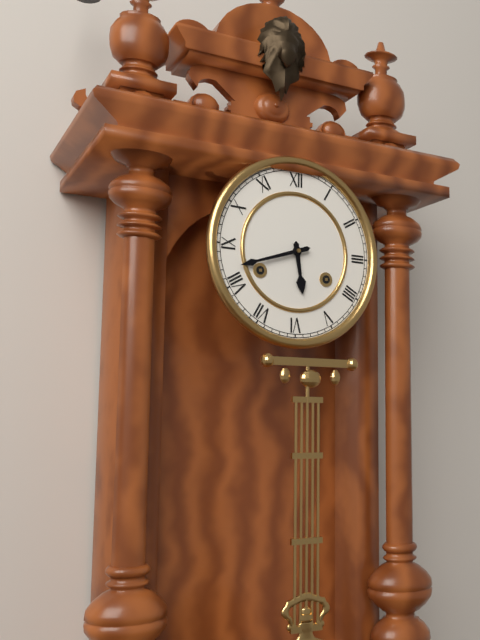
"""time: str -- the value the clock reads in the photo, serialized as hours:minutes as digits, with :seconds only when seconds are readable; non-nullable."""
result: 5:42
